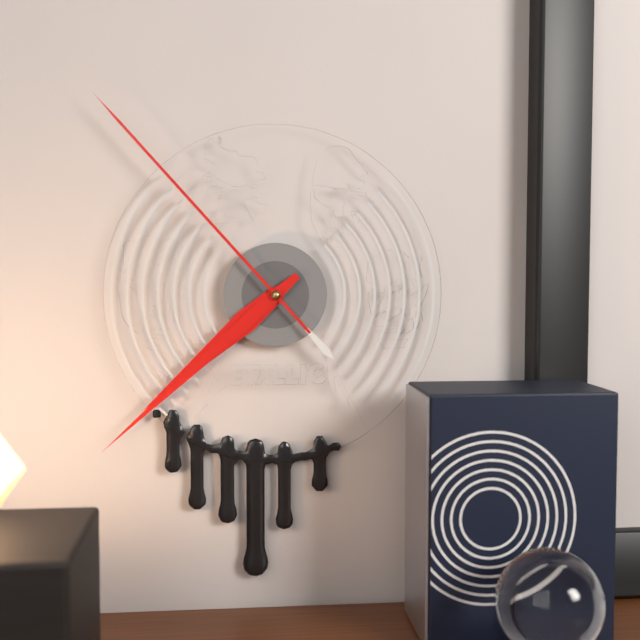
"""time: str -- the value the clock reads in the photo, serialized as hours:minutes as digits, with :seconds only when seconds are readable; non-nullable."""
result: 7:38:53
